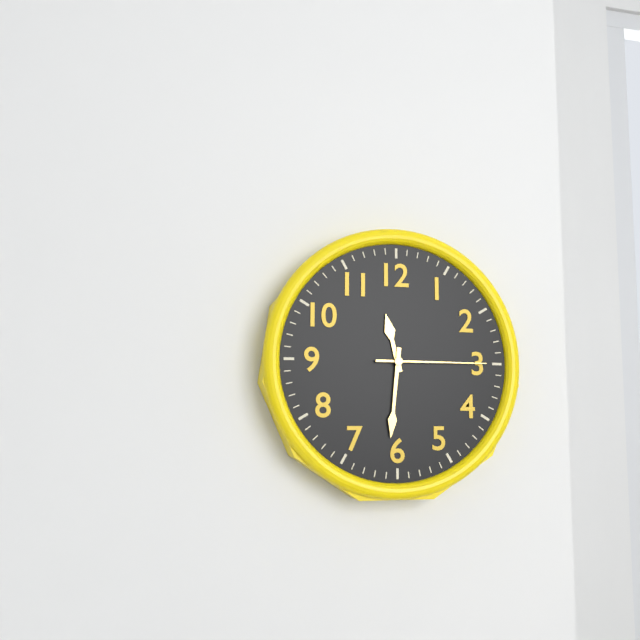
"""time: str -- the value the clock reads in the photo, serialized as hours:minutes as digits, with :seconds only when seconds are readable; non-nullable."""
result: 11:31:15
